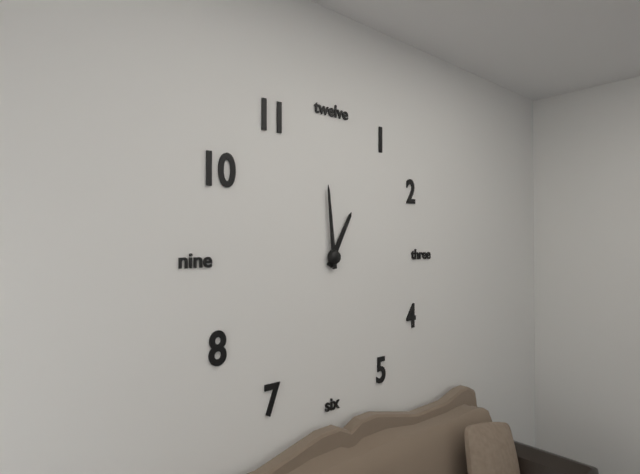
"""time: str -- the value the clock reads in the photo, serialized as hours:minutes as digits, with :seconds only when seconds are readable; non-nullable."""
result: 12:59
